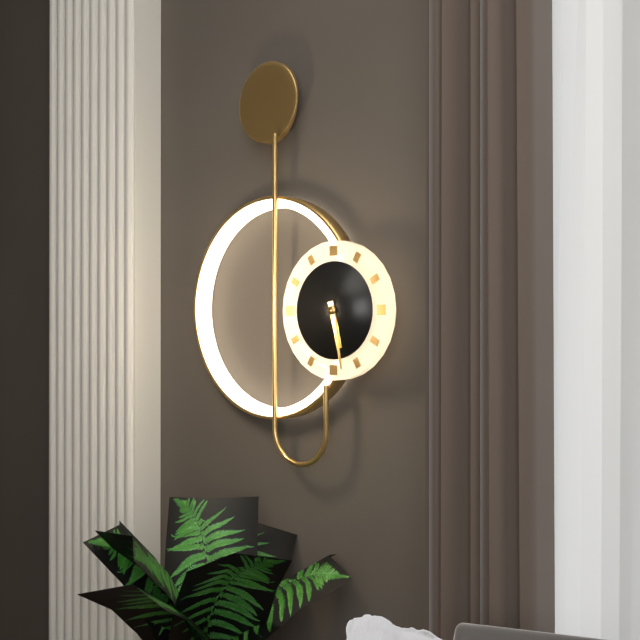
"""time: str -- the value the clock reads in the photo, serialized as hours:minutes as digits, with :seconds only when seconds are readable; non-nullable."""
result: 5:28
